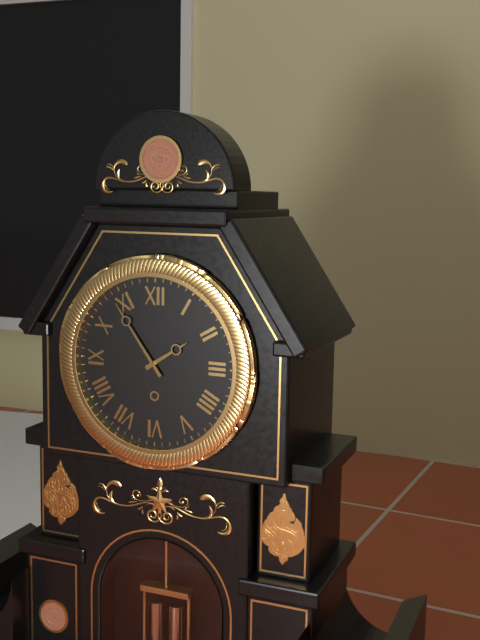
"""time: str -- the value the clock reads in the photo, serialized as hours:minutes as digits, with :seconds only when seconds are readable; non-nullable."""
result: 1:54
